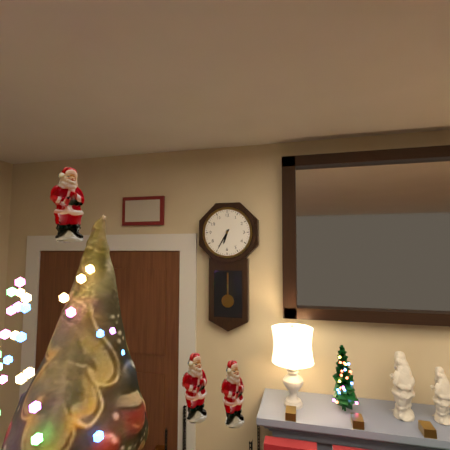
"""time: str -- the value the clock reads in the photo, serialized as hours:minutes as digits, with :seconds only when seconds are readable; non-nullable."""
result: 6:35
